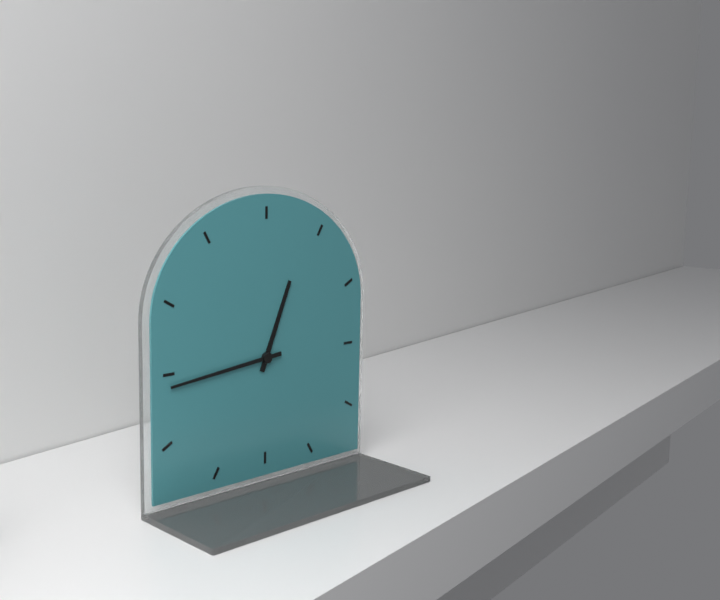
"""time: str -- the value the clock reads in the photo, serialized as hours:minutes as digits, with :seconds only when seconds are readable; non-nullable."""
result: 12:44
